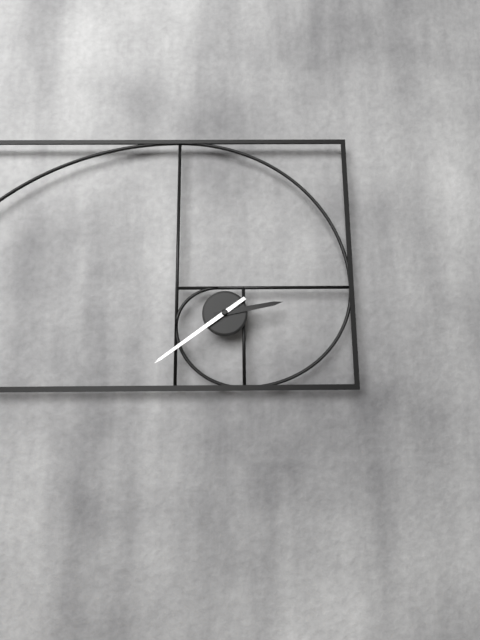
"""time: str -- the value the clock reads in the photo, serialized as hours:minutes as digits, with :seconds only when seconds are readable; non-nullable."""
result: 2:39
